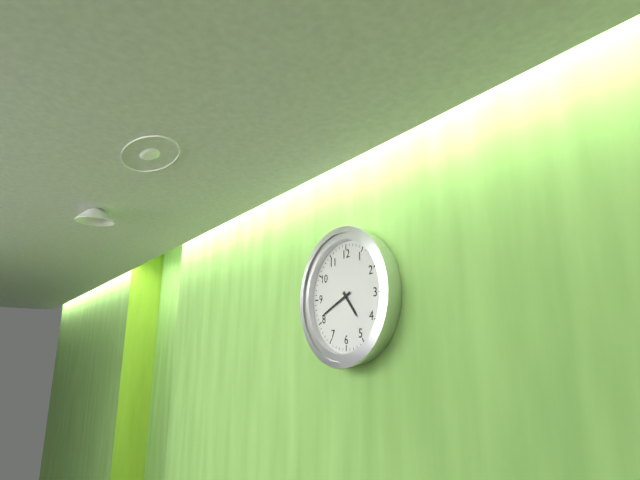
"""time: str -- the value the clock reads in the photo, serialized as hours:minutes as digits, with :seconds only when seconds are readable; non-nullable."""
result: 4:41
